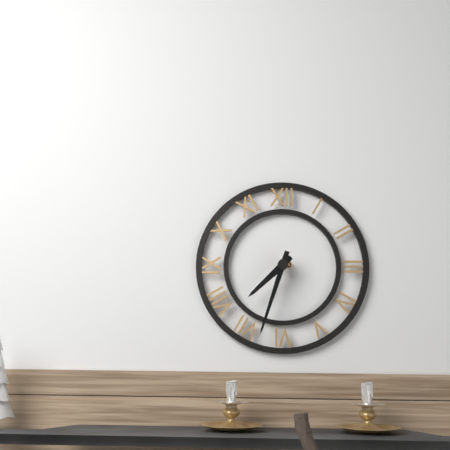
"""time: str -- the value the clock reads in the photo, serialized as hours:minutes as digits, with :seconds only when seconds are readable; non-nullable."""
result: 7:33
